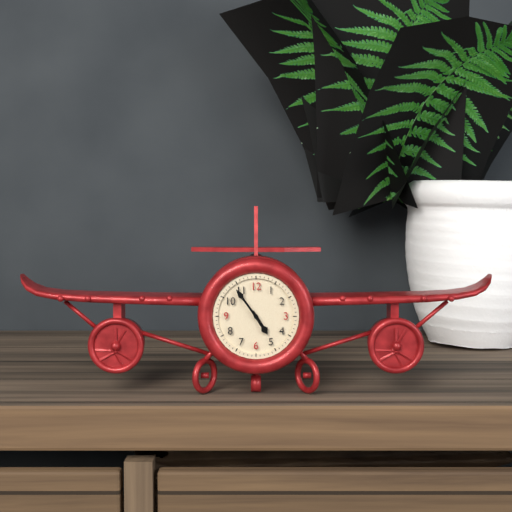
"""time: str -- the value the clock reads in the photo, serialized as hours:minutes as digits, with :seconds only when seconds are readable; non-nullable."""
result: 4:54
